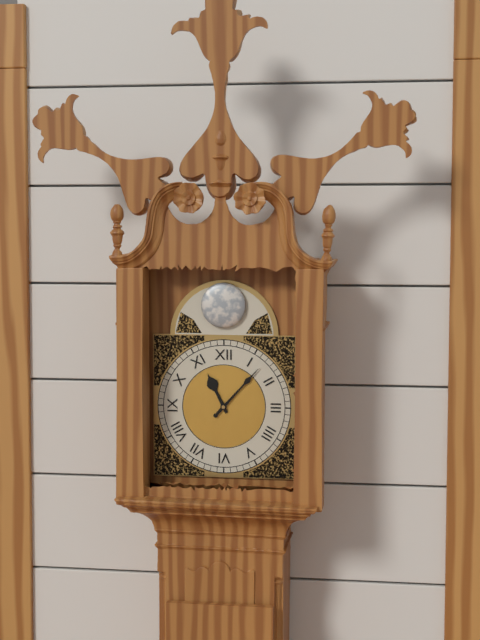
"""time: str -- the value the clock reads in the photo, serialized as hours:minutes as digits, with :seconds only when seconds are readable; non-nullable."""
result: 11:07
